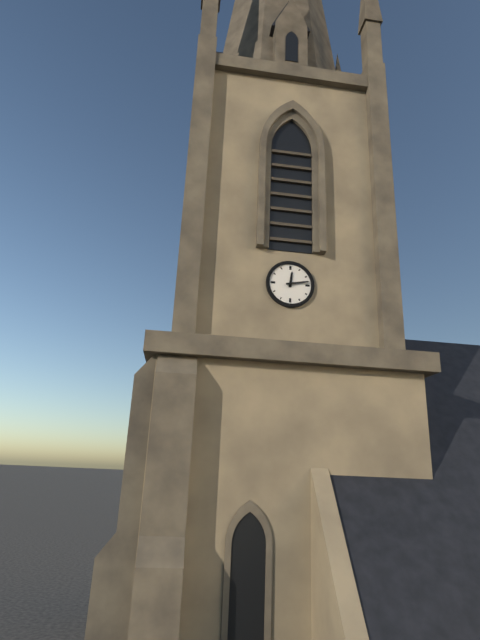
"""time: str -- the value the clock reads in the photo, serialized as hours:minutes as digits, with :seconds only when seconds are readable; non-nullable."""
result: 12:13
